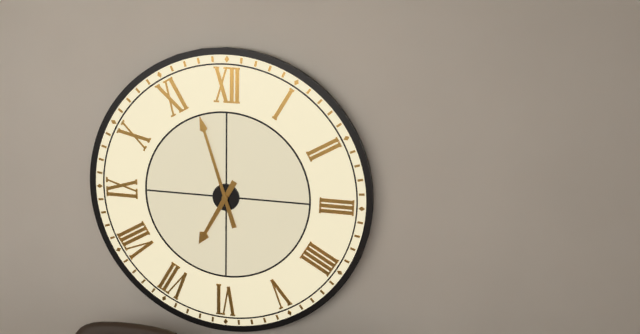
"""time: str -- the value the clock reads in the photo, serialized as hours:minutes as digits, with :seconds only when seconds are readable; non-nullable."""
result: 6:57
